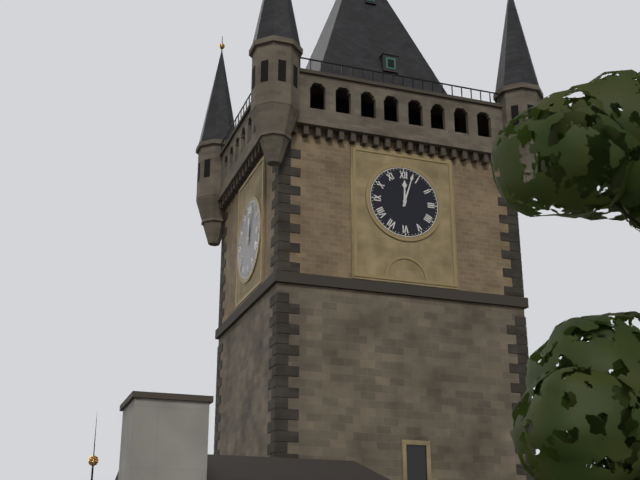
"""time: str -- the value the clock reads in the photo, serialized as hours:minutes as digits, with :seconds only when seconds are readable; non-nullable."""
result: 12:03
